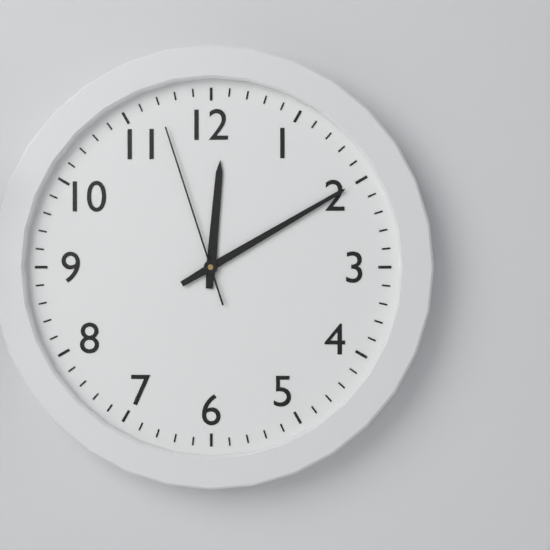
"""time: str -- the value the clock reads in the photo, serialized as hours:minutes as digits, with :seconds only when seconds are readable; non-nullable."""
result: 12:10:57
